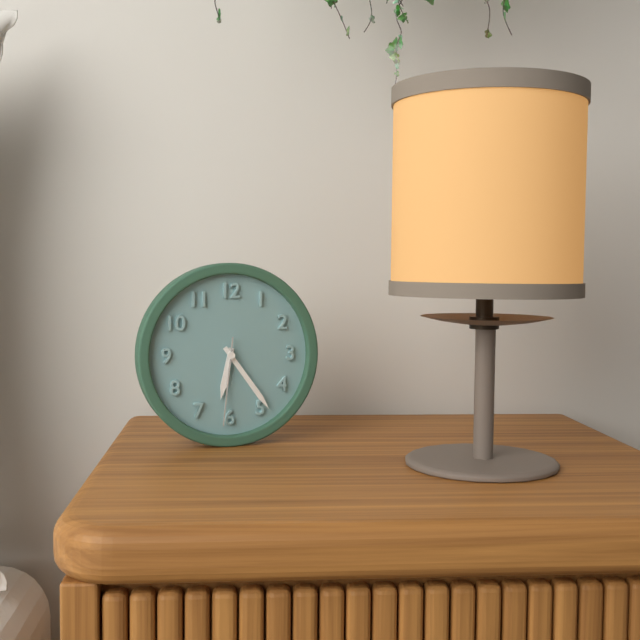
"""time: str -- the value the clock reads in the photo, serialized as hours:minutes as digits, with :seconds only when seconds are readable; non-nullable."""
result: 6:24:31
